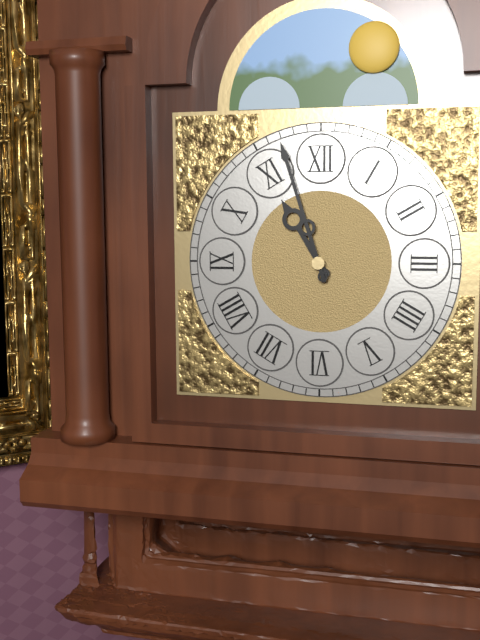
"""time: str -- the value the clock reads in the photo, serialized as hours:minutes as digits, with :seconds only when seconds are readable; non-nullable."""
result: 10:57
